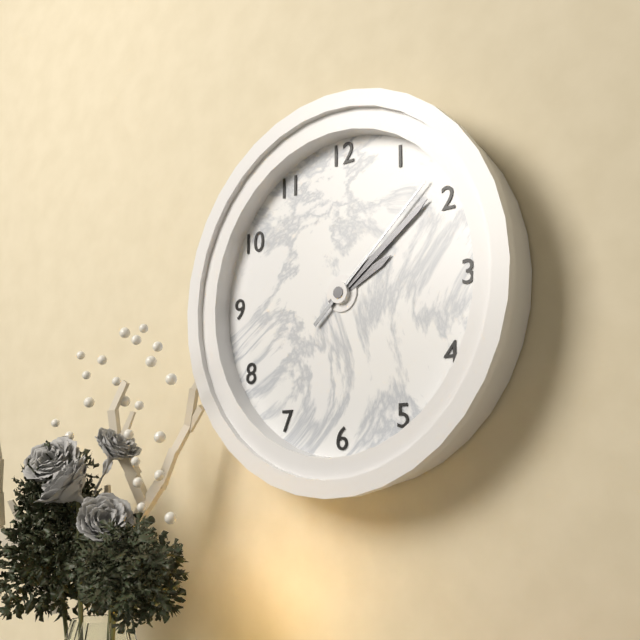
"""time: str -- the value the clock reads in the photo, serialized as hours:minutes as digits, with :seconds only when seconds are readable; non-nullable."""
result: 2:09:08
